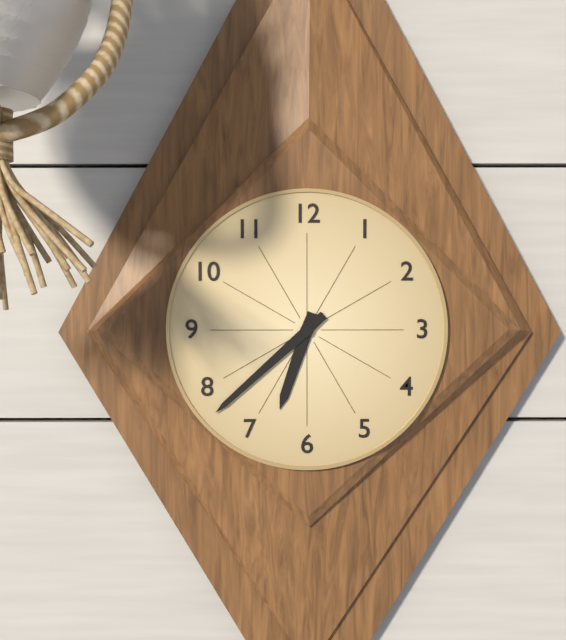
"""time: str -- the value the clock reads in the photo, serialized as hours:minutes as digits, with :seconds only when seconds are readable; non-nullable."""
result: 6:38
